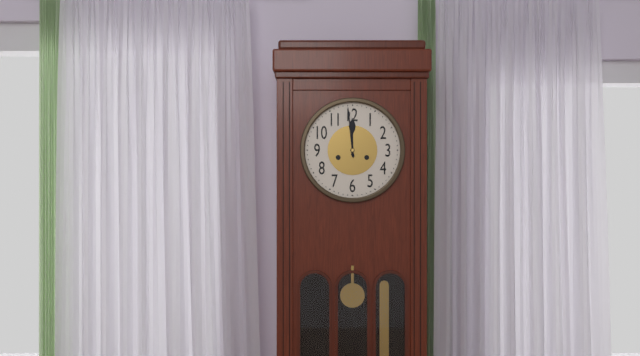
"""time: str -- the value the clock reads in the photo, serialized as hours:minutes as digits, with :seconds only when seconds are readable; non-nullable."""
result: 11:59
